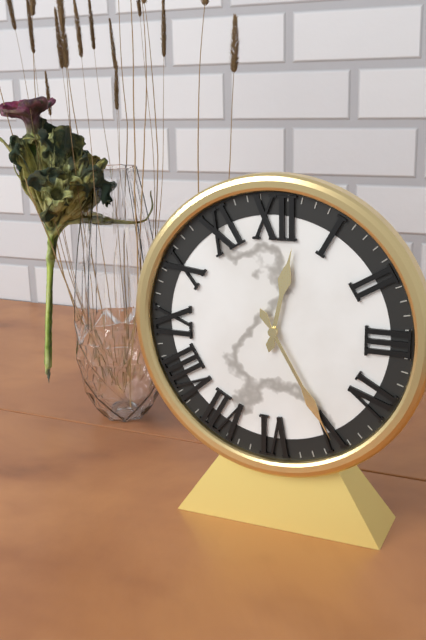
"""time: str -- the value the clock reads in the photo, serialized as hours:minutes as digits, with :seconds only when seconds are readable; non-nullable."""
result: 12:25
